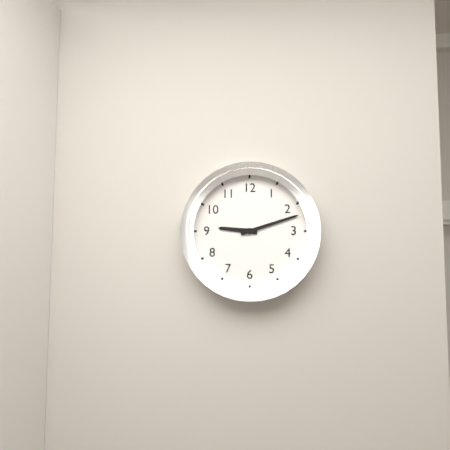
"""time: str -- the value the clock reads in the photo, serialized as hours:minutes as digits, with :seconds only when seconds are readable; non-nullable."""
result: 9:12
